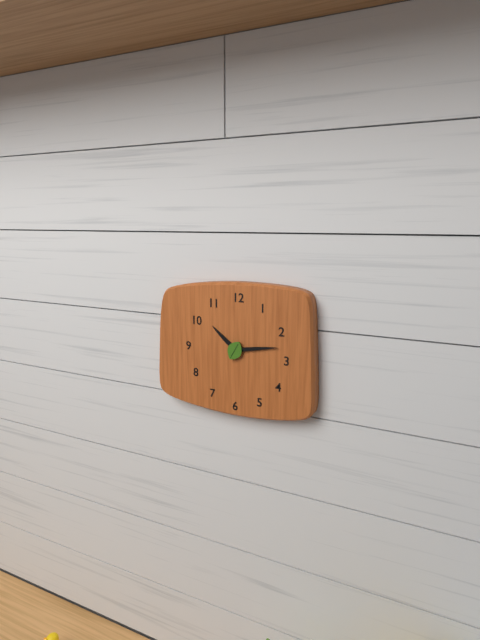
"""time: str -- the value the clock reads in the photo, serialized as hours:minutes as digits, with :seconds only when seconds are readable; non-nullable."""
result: 10:13
